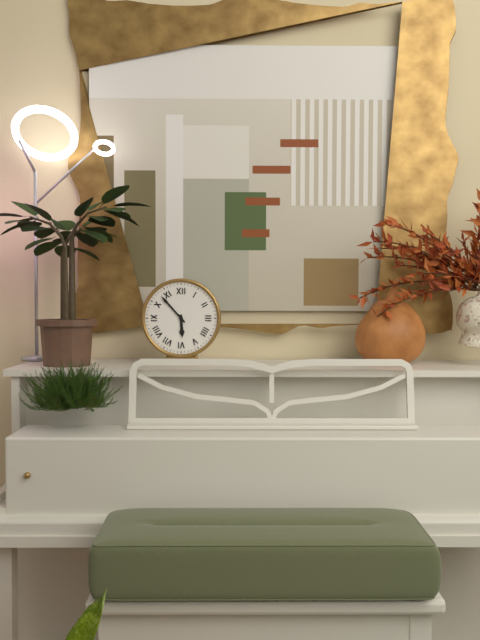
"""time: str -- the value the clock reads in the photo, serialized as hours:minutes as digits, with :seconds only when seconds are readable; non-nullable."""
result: 5:53
